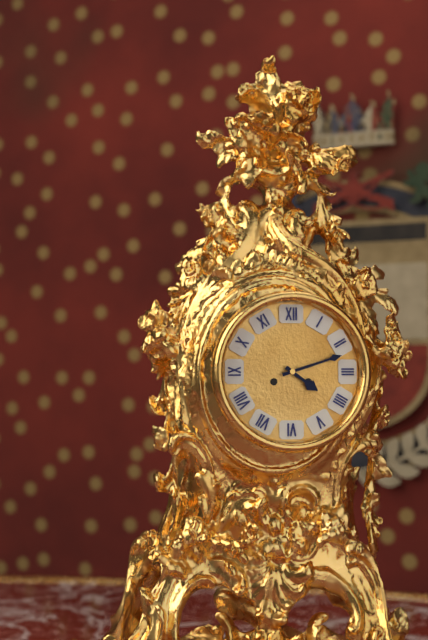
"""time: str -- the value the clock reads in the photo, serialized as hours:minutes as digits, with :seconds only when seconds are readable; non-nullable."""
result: 4:12
